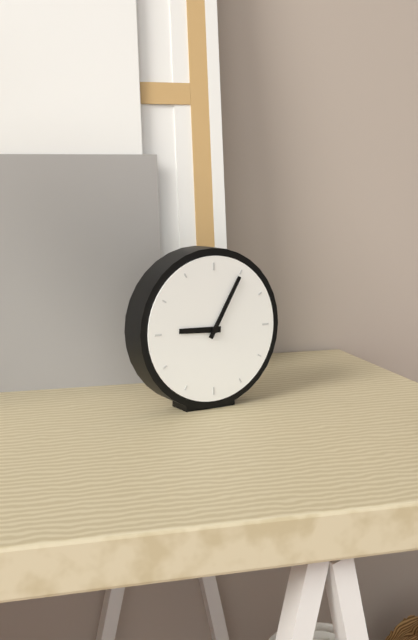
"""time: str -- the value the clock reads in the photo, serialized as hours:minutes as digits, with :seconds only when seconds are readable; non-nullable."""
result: 9:05
